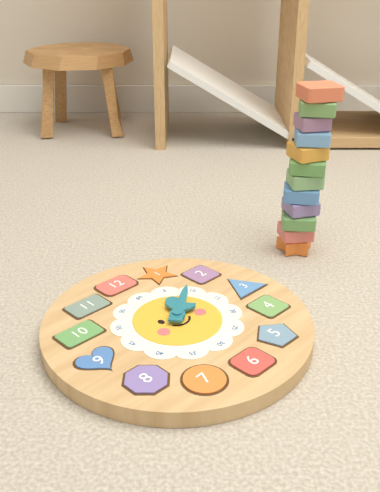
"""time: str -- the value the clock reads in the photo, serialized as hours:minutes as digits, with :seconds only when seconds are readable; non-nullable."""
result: 1:09
